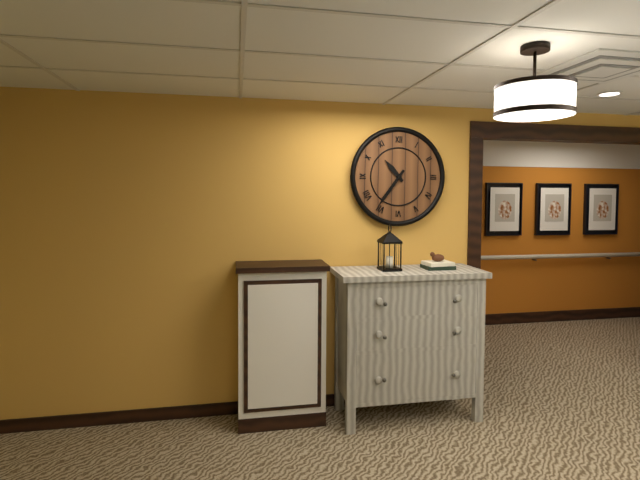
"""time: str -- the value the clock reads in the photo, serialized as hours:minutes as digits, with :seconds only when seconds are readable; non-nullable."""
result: 10:36
